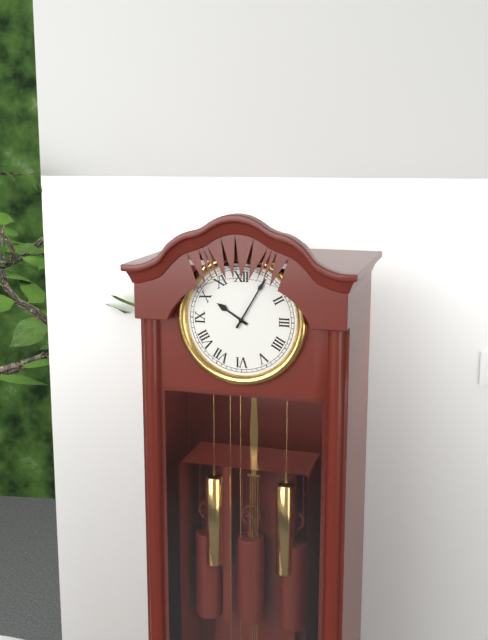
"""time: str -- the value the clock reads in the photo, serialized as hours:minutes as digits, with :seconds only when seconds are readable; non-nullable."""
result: 10:05
